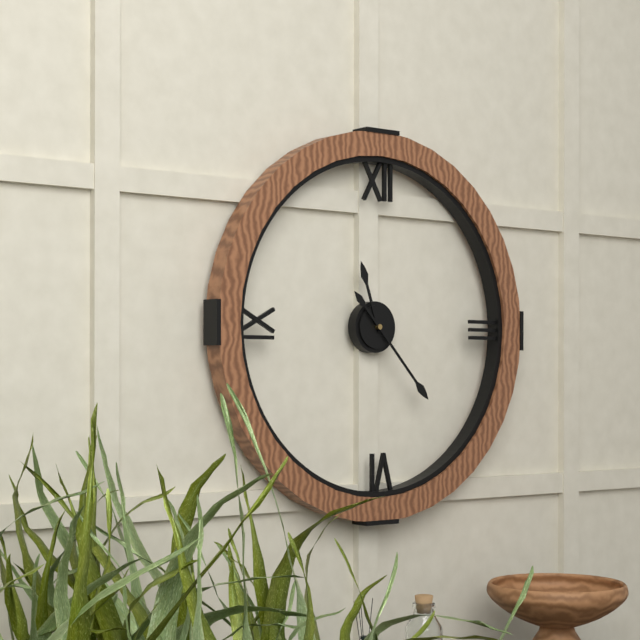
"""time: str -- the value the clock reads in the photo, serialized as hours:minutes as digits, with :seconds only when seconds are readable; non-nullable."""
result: 11:23
